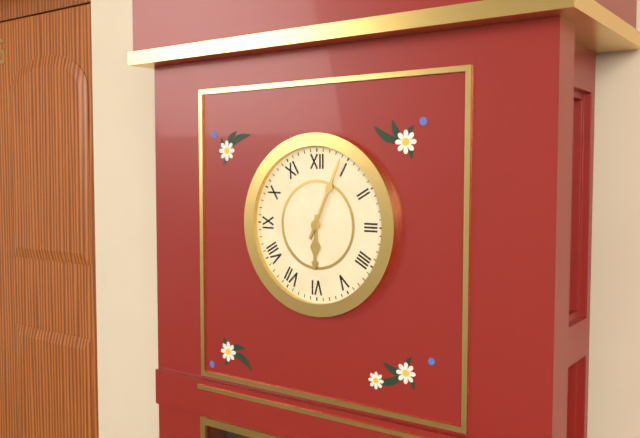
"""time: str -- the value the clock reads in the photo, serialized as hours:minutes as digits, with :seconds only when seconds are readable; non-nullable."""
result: 6:04
